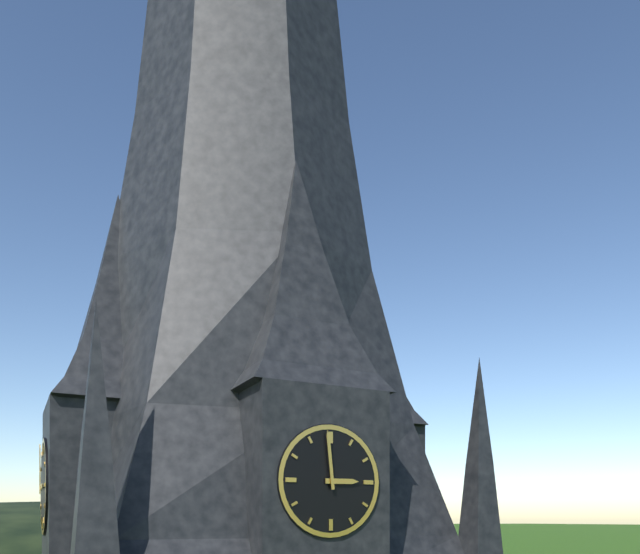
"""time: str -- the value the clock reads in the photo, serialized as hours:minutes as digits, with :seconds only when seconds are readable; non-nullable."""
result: 2:59
